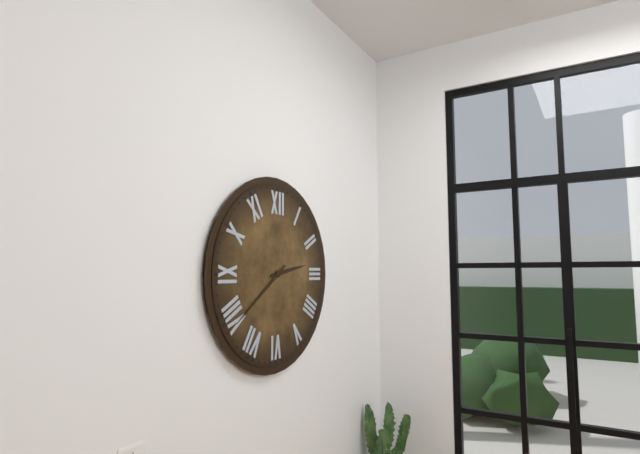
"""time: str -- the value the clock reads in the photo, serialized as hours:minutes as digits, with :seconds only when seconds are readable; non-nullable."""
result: 2:39
